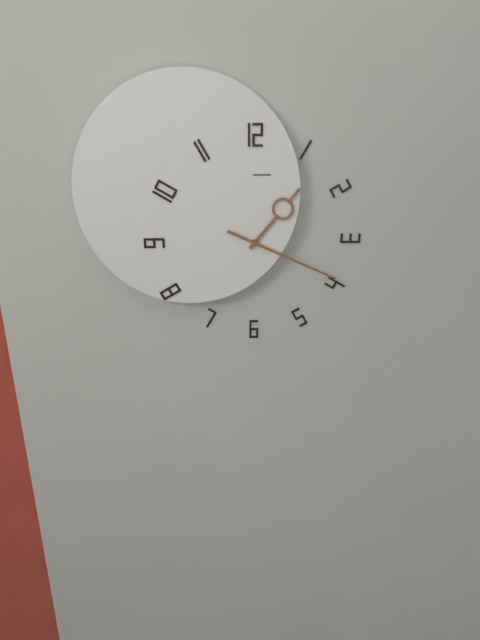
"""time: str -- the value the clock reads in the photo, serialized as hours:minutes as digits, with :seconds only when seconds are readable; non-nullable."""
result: 1:19
